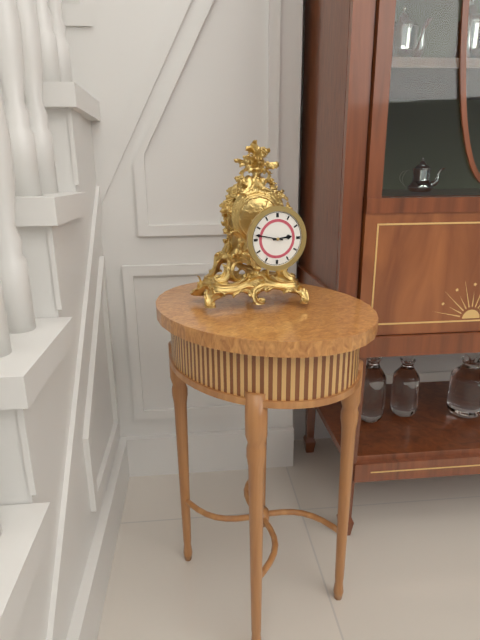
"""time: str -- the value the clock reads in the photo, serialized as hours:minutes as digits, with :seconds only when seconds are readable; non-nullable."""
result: 2:47
